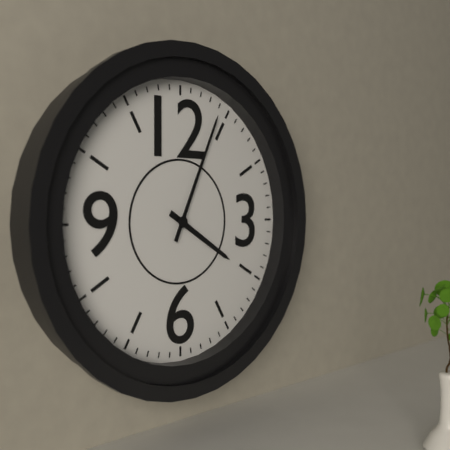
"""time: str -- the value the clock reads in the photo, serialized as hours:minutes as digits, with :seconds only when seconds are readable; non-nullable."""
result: 4:04
